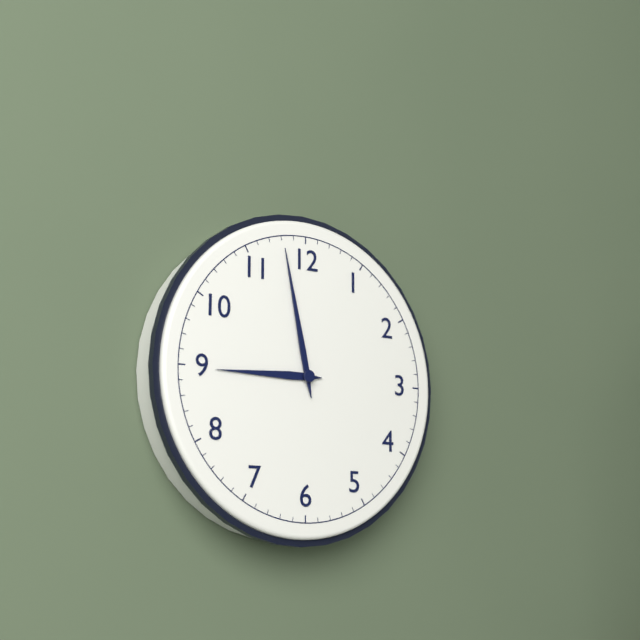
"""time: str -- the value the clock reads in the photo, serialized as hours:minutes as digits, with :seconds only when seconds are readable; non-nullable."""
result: 8:58
